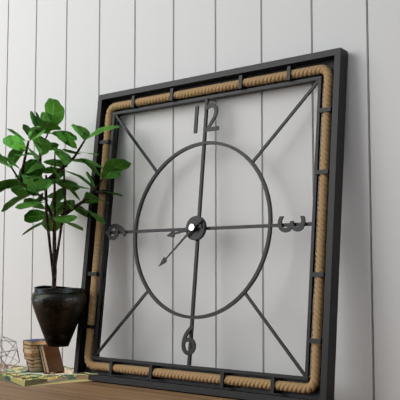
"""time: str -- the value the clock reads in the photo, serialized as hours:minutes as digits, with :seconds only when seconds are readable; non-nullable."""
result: 8:38
